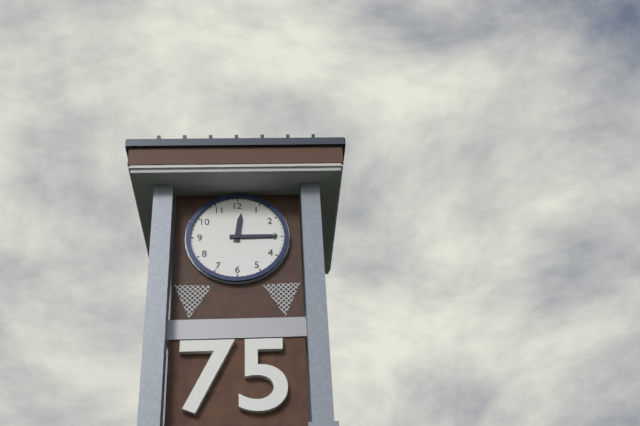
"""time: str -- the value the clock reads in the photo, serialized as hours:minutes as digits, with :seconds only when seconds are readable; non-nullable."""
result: 12:15
